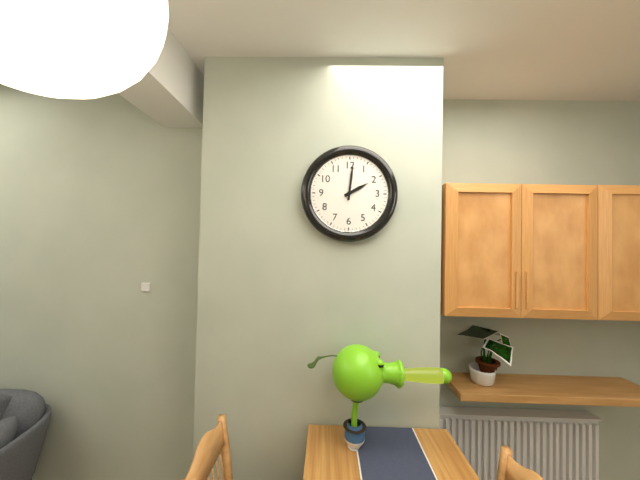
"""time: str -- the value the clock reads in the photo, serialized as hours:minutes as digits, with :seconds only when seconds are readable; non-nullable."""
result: 2:01
